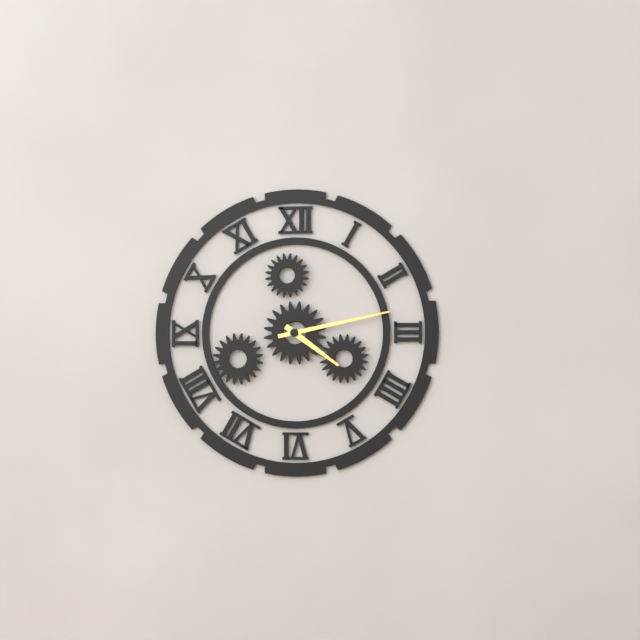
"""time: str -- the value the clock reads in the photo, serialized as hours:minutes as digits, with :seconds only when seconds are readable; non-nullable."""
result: 4:13
